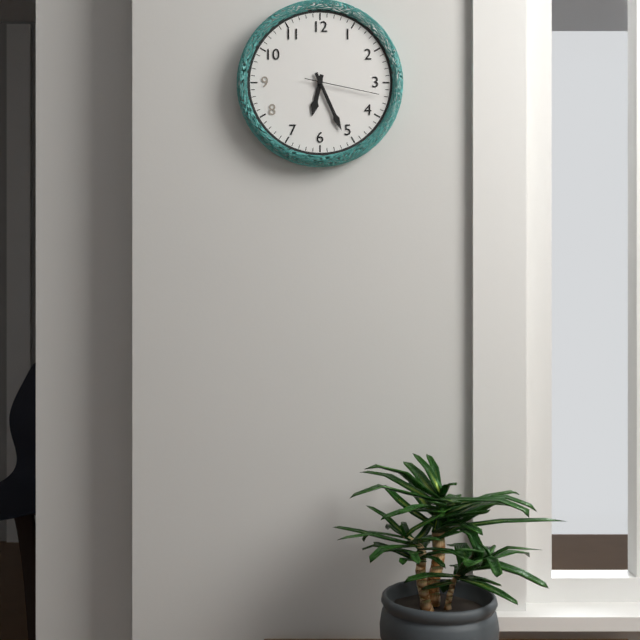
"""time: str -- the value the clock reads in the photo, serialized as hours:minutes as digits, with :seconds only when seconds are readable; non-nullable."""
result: 6:26:17
